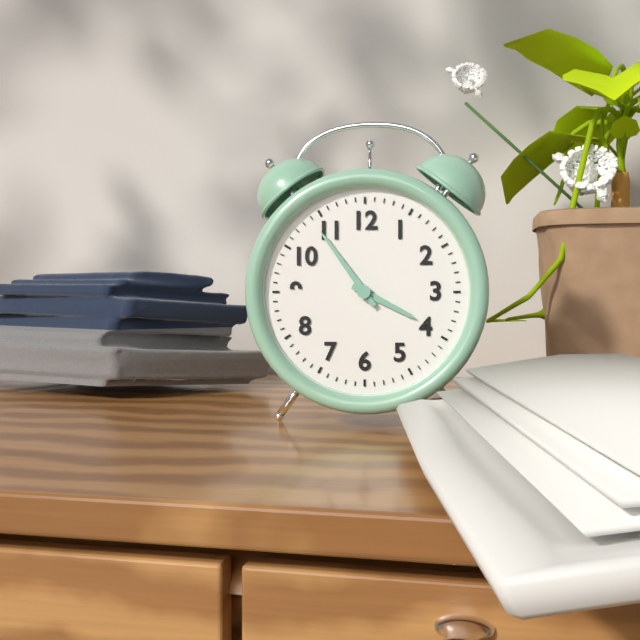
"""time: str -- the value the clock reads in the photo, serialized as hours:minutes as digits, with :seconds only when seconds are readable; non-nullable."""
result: 3:54
